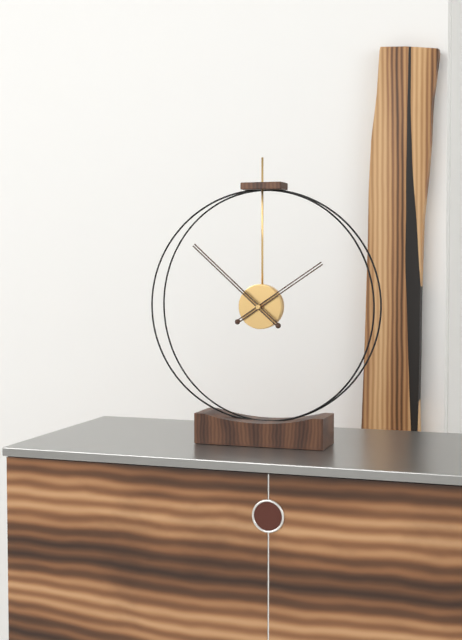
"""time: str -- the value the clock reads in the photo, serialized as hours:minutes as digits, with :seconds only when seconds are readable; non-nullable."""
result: 1:52
